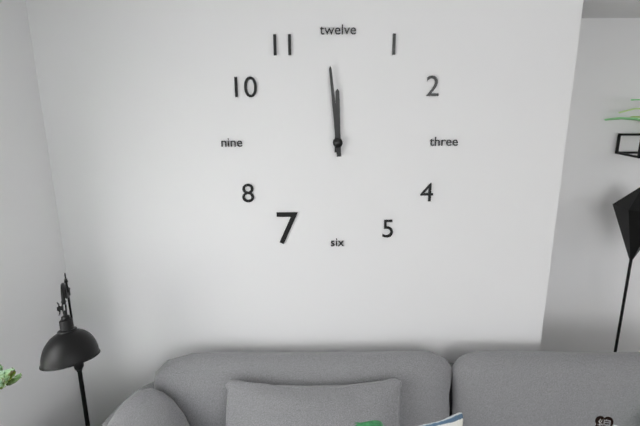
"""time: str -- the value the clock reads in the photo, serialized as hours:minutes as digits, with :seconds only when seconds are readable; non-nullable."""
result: 11:59
